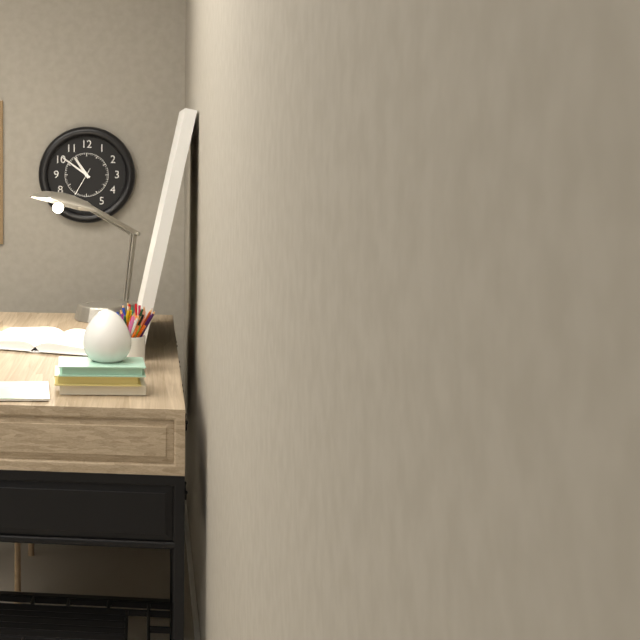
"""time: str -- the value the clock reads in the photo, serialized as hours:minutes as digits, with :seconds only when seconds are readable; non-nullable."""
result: 10:51
